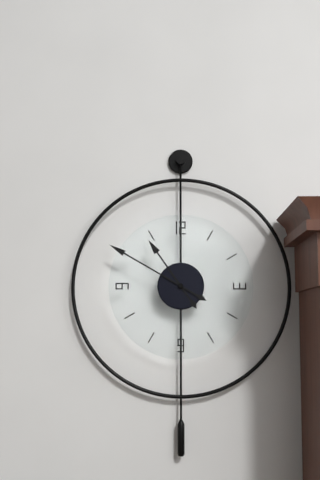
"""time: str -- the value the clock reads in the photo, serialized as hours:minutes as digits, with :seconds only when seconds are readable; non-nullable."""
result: 10:50
